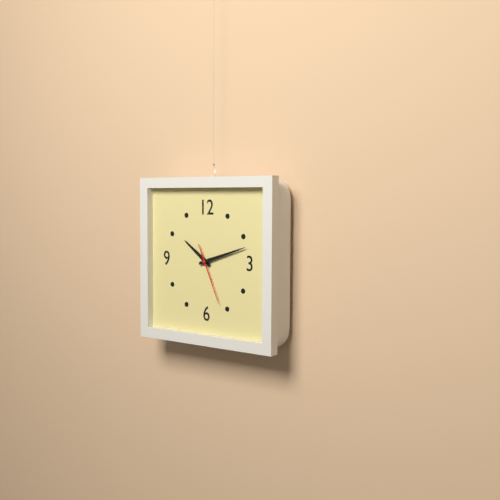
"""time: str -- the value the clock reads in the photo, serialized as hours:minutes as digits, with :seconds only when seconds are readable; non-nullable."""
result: 10:12:26
